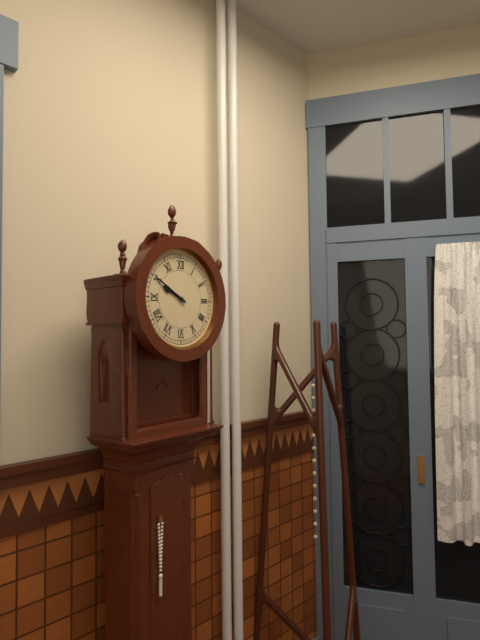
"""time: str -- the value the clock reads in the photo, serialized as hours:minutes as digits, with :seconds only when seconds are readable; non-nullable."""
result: 9:50
